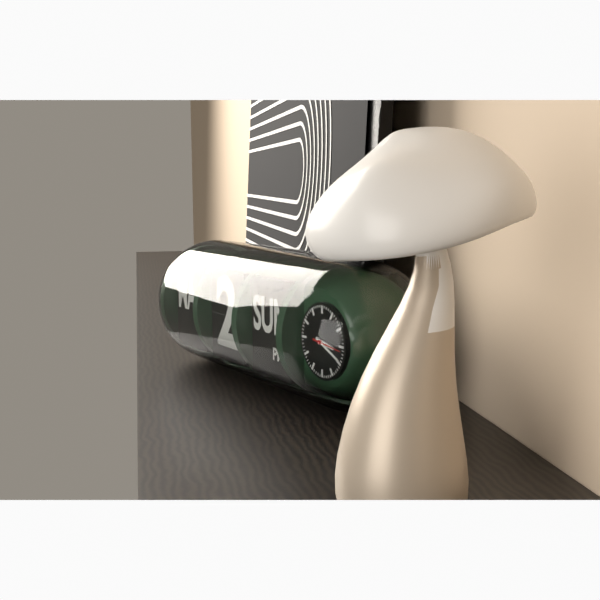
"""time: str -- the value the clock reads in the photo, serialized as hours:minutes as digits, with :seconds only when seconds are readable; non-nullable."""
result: 3:19
